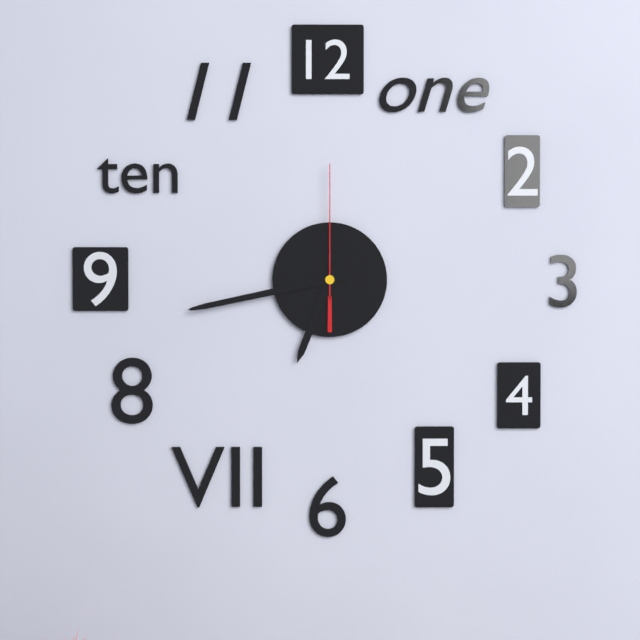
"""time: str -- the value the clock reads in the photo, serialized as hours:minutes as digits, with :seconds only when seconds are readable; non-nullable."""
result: 6:43:00
